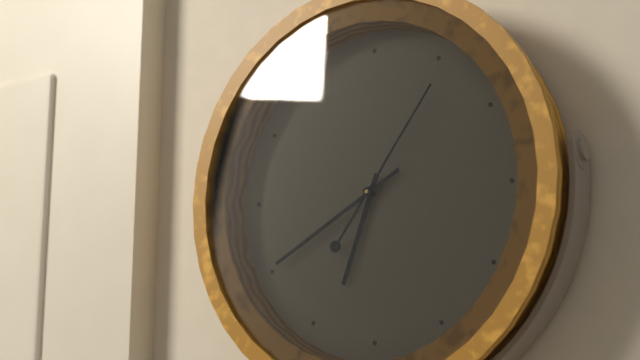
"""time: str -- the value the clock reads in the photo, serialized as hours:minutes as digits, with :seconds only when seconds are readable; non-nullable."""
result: 6:40:06
